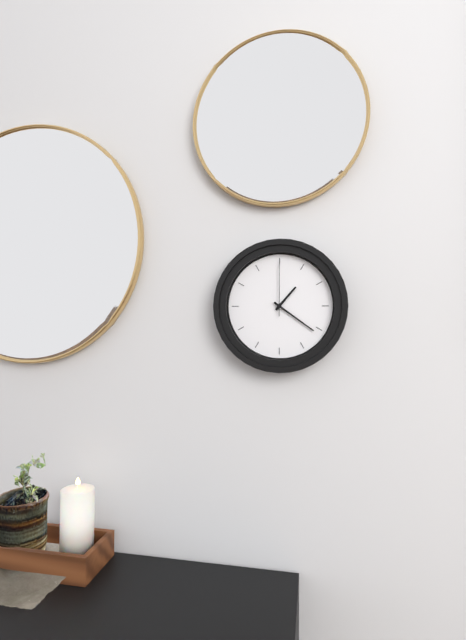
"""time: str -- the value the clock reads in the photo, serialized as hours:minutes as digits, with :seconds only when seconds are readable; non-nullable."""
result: 1:21:00
